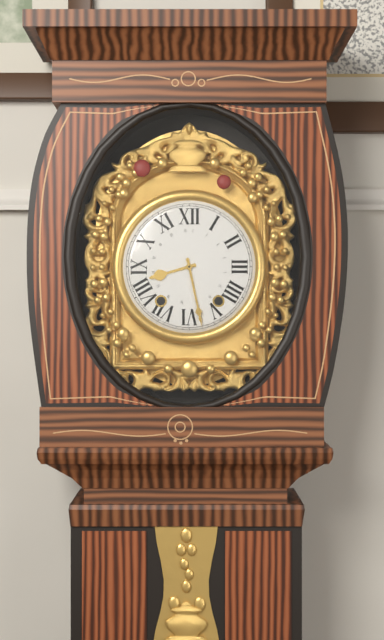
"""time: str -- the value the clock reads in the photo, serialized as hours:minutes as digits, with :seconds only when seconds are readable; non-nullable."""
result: 8:28
